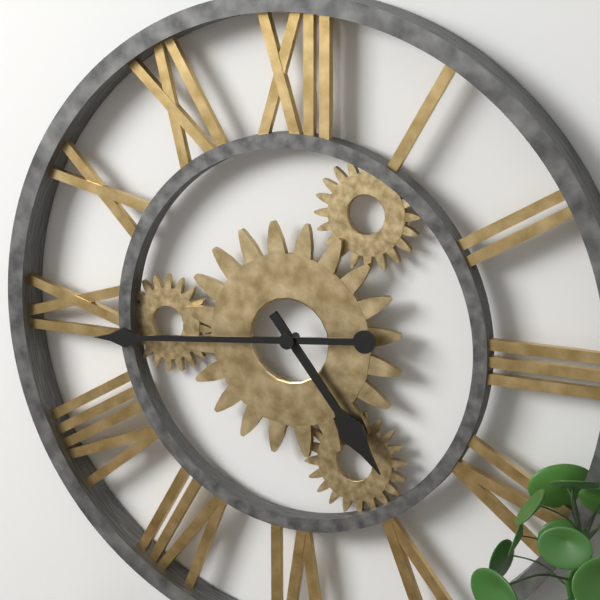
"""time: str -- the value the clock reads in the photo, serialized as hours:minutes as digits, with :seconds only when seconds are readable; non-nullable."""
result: 4:44
